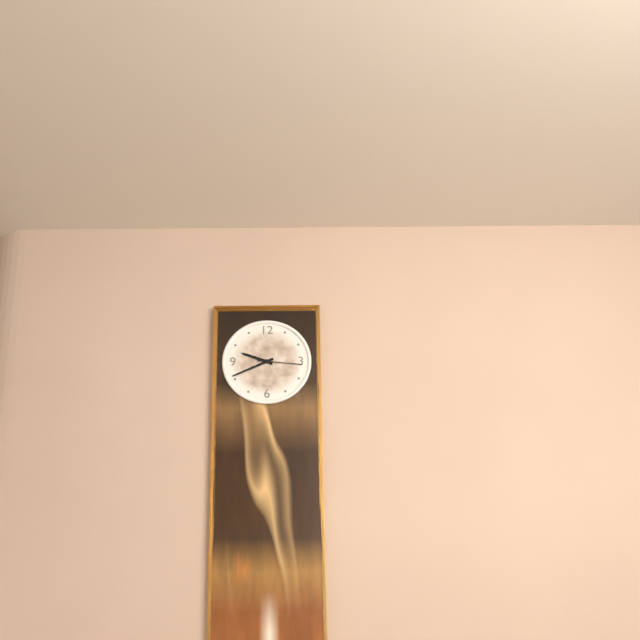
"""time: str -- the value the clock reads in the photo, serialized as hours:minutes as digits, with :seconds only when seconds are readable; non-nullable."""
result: 9:41
